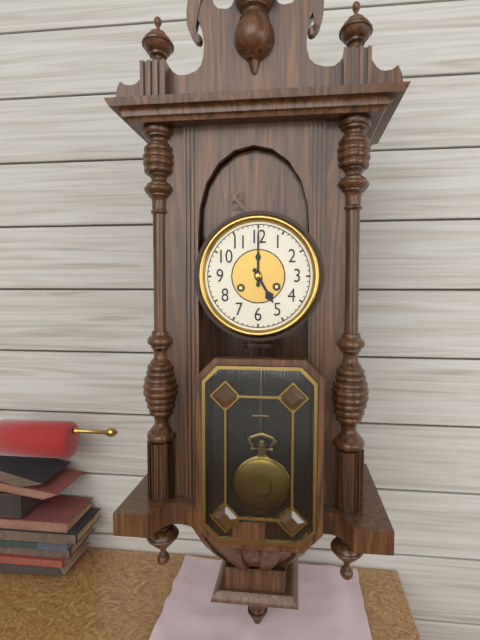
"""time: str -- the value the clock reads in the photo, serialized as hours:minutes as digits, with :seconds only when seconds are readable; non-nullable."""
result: 5:00
